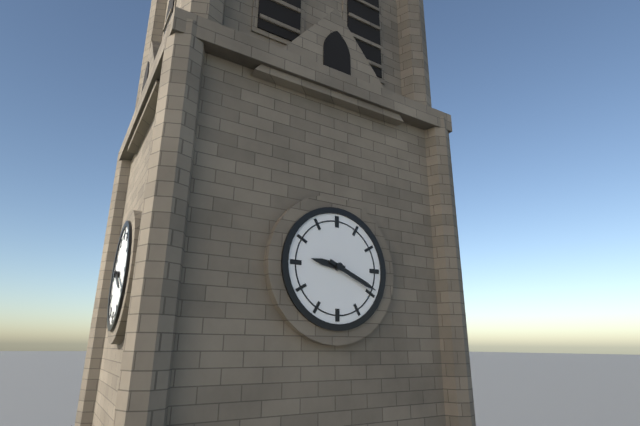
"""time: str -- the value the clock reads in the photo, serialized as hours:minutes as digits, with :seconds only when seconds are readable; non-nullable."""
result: 9:19
